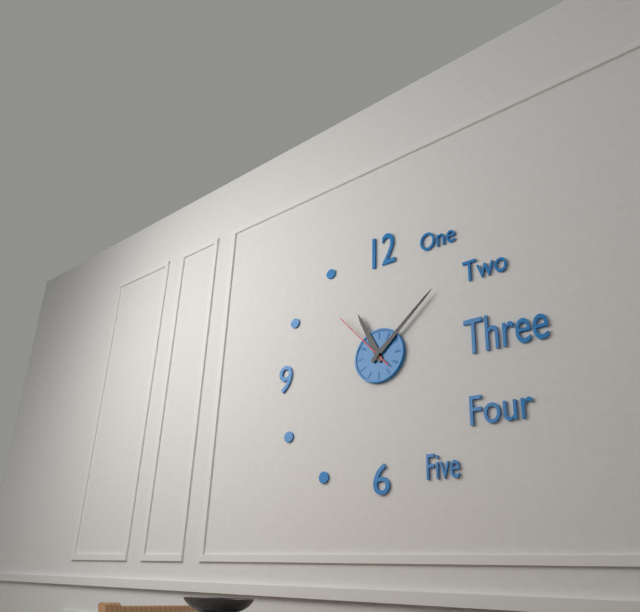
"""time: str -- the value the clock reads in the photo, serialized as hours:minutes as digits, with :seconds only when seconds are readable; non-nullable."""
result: 11:08:53
